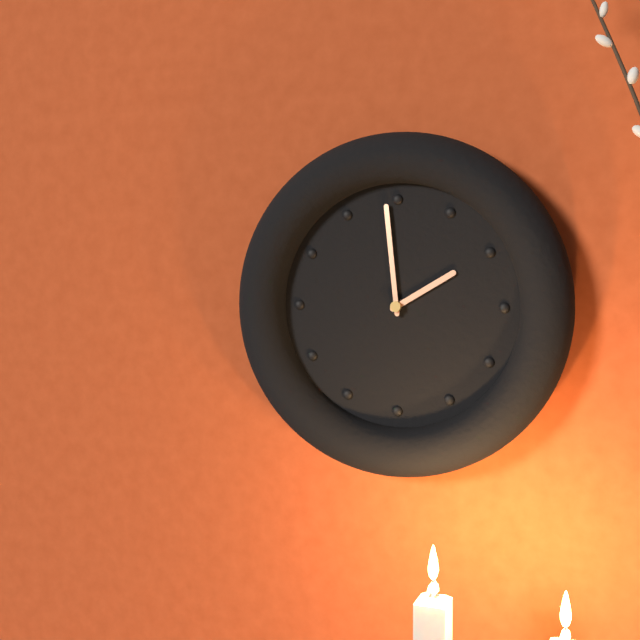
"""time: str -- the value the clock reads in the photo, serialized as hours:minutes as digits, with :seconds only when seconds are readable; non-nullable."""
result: 1:59
